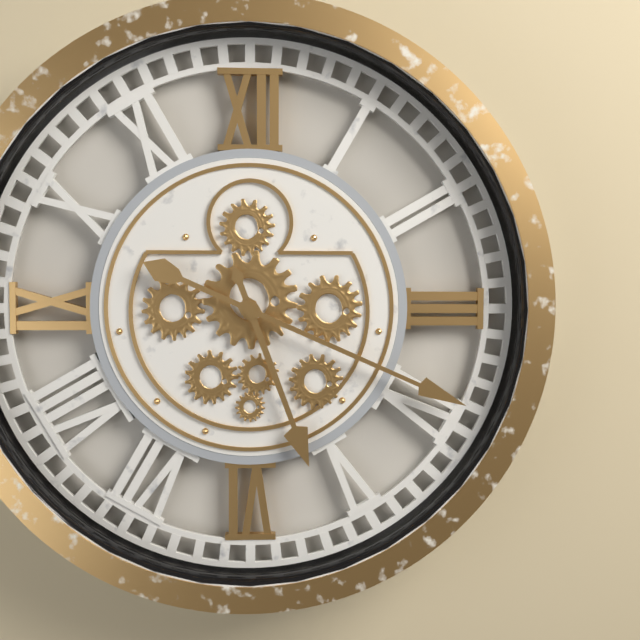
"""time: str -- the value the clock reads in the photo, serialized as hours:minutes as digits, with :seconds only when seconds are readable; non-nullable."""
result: 5:19
